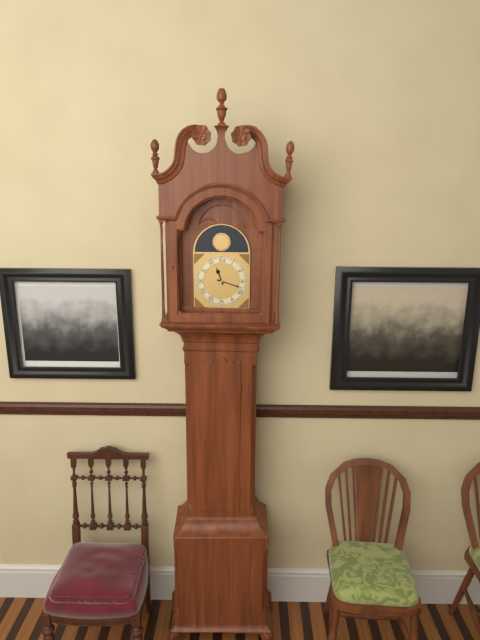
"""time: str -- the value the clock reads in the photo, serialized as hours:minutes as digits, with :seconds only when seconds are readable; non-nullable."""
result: 11:18
